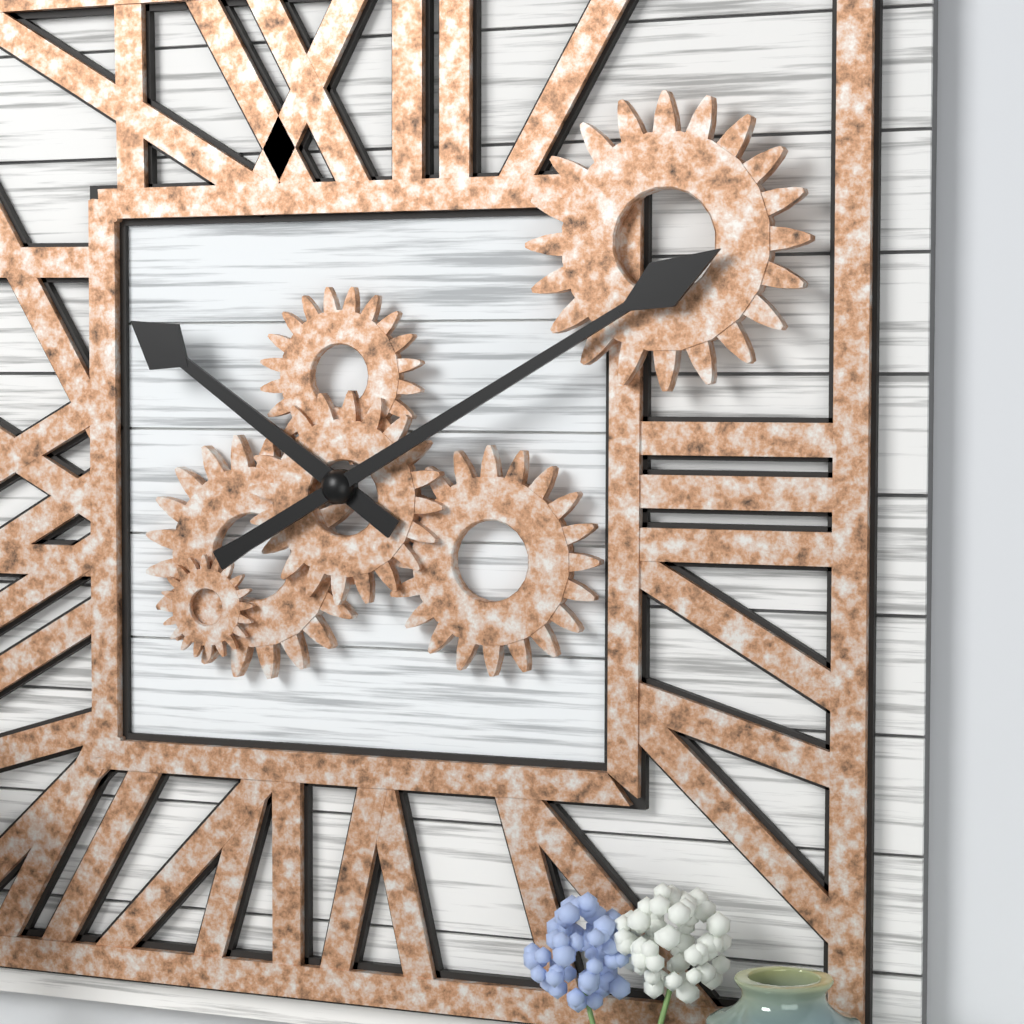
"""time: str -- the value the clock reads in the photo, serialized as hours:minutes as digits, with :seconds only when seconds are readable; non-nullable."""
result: 10:10
